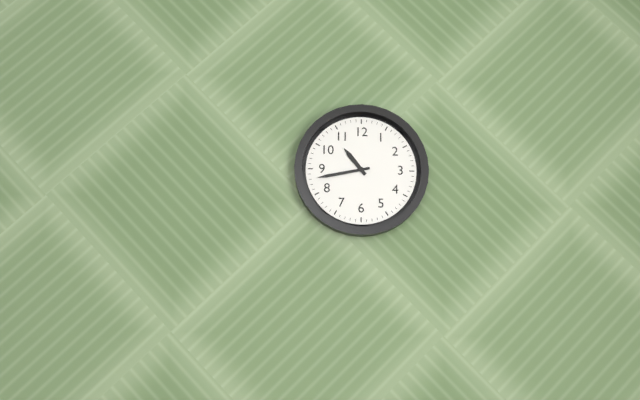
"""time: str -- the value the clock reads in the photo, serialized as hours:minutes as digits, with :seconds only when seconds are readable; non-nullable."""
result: 10:43
